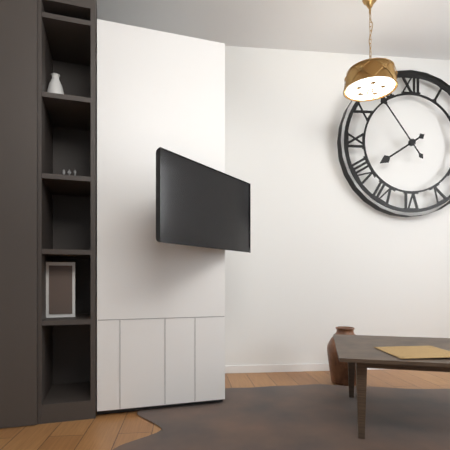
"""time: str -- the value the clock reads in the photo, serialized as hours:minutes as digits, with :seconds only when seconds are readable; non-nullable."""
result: 7:54
